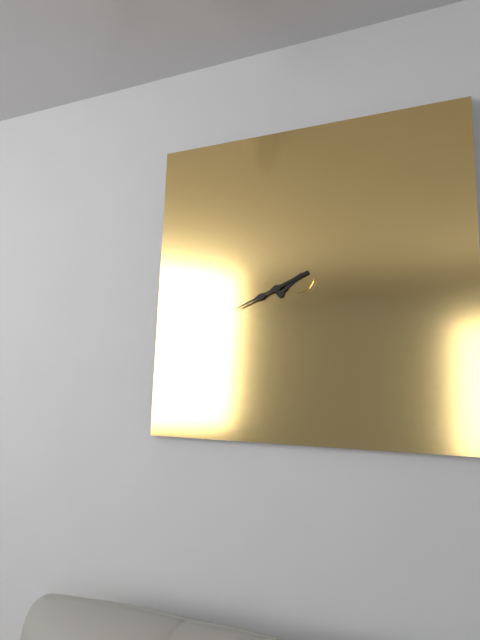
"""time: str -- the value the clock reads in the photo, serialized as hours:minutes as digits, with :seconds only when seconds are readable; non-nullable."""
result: 7:41
